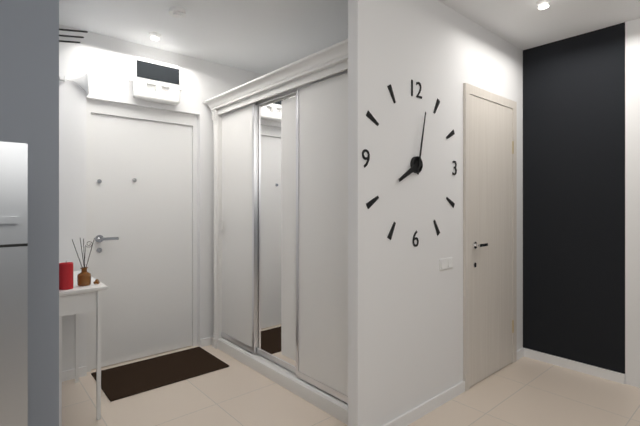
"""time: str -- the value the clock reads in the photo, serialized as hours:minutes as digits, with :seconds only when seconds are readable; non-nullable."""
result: 8:02
